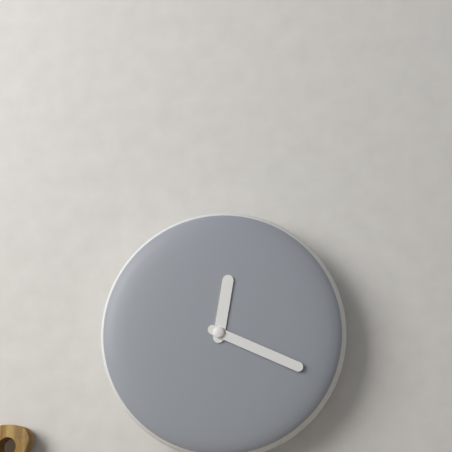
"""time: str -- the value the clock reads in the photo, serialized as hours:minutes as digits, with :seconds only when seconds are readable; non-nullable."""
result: 12:19
